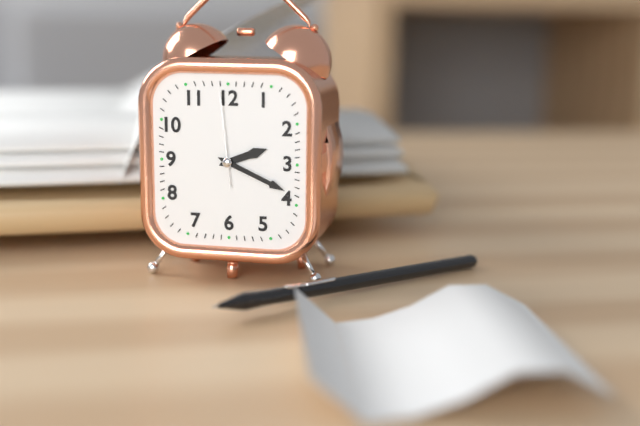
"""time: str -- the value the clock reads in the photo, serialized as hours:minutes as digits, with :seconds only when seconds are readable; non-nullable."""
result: 2:19:59
